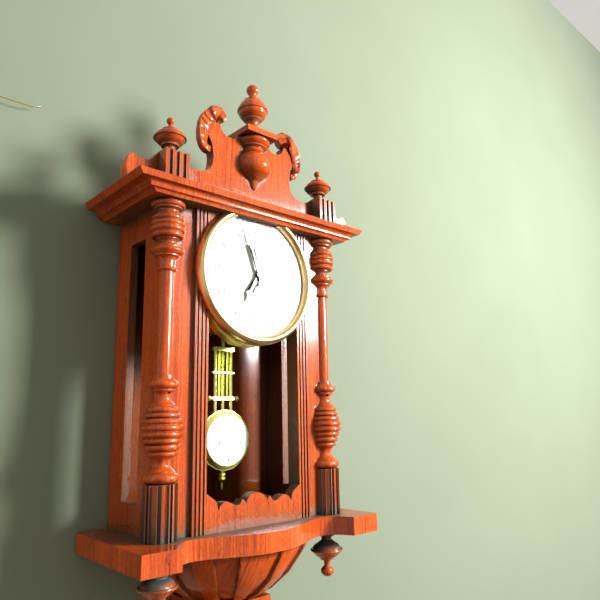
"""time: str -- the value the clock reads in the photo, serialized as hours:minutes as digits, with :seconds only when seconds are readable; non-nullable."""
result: 6:57
